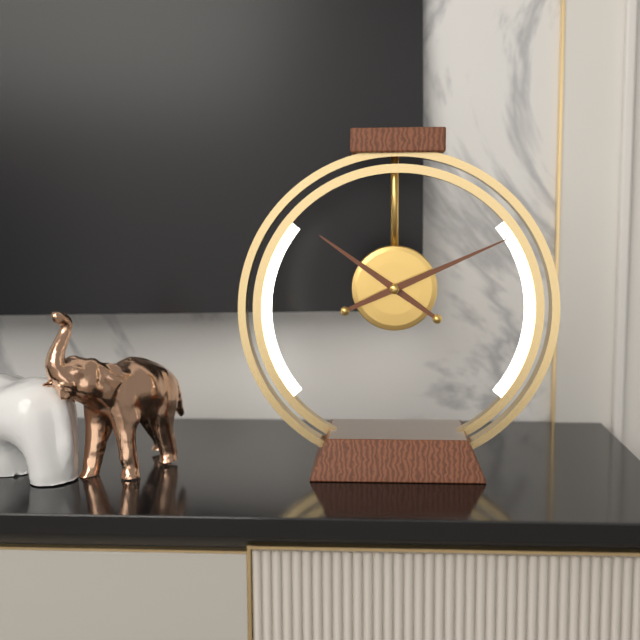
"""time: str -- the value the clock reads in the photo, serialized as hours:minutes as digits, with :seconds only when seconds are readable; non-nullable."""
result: 10:11
